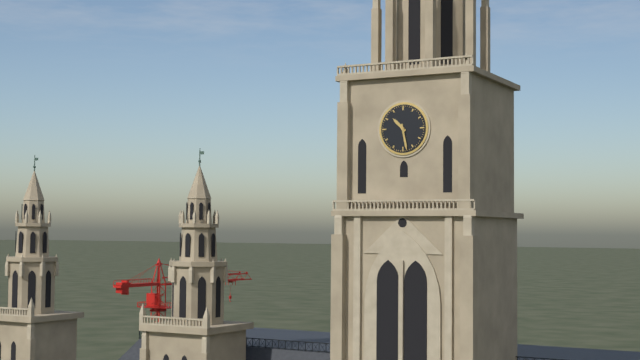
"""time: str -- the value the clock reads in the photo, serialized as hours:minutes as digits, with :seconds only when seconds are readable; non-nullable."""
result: 10:28
